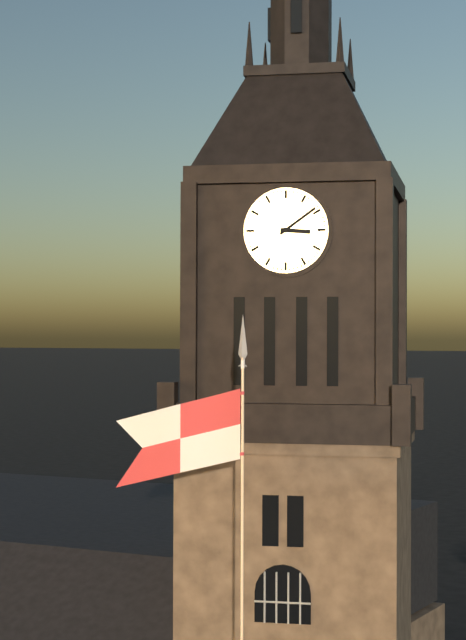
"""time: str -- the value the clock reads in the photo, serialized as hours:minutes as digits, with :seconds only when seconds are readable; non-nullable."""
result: 3:09
